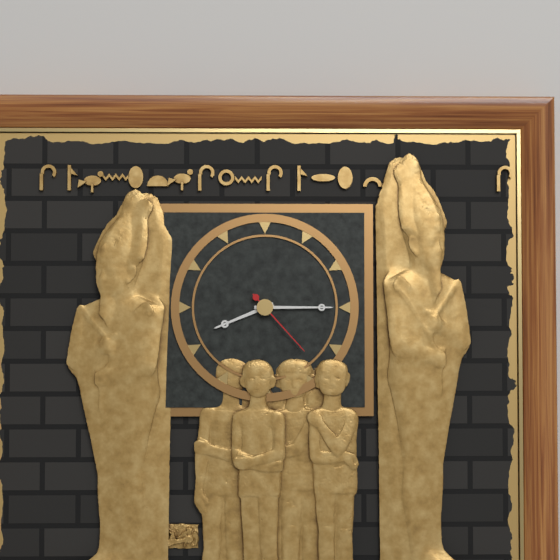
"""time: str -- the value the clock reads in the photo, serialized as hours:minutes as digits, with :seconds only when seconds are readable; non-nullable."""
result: 8:15:23
